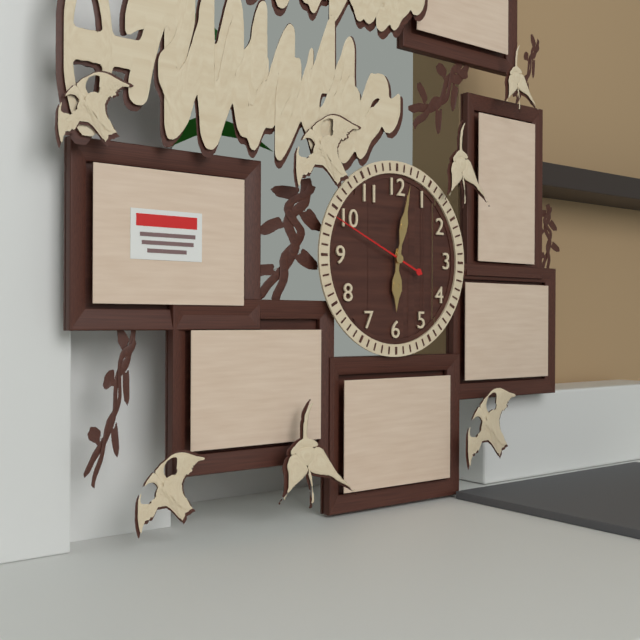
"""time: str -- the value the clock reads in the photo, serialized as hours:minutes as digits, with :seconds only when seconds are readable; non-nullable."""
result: 6:02:49
